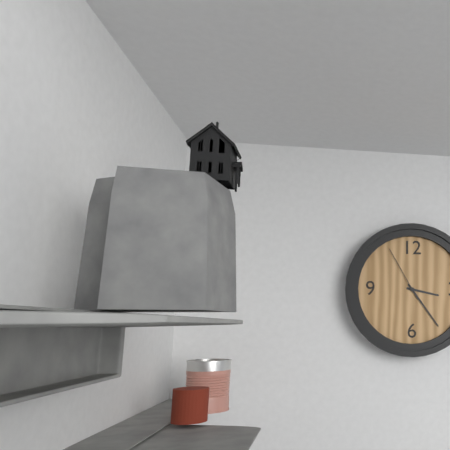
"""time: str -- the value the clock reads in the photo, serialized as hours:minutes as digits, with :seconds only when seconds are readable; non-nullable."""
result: 3:24:55
